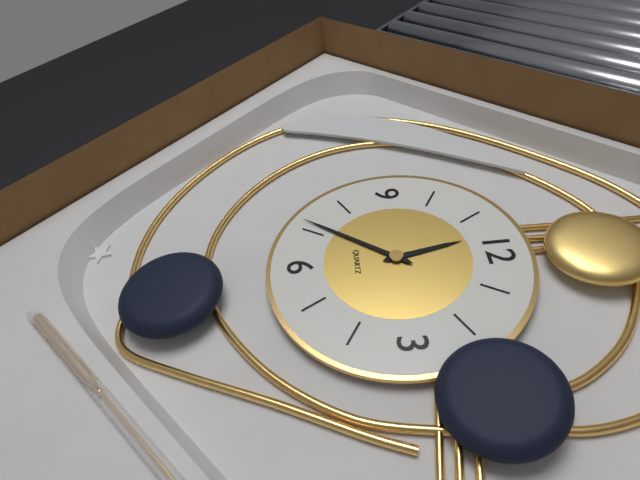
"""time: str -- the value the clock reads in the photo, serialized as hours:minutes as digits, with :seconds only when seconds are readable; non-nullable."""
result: 11:36
